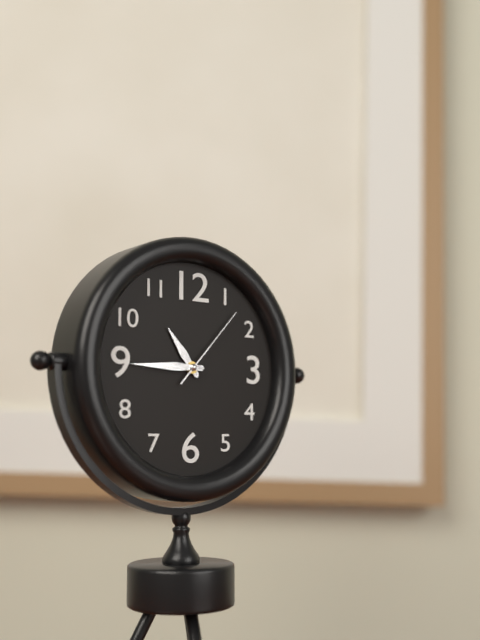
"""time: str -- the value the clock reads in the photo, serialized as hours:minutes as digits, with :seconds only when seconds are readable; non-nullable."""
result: 10:45:07
